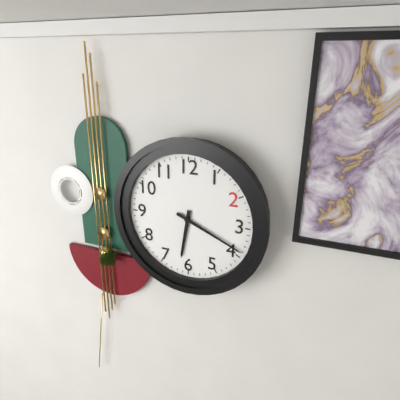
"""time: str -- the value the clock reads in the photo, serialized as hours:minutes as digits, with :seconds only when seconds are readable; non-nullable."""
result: 6:19
